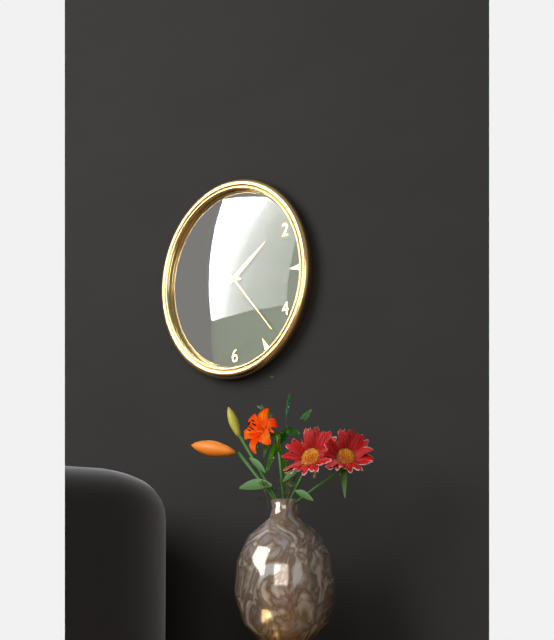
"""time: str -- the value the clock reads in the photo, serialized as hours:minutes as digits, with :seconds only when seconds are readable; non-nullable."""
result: 1:47:23
